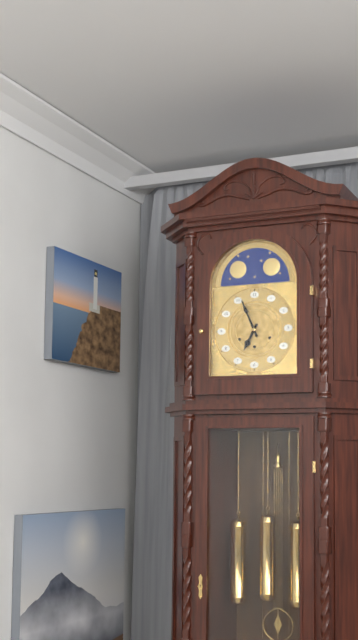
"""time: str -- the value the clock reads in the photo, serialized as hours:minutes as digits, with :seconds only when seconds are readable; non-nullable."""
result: 6:56
